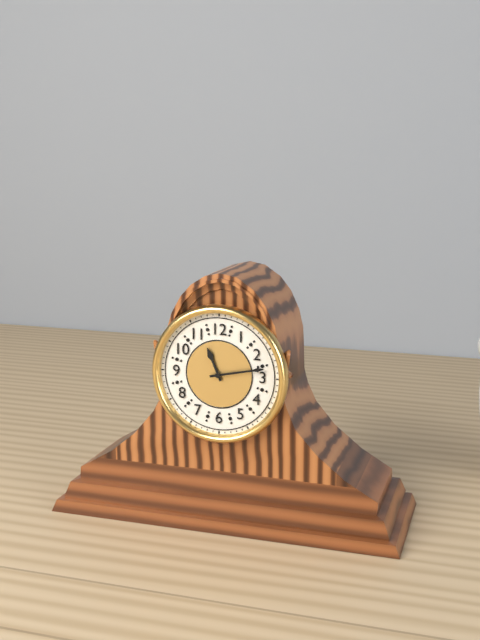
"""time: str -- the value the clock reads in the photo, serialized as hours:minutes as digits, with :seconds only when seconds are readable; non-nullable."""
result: 11:13
